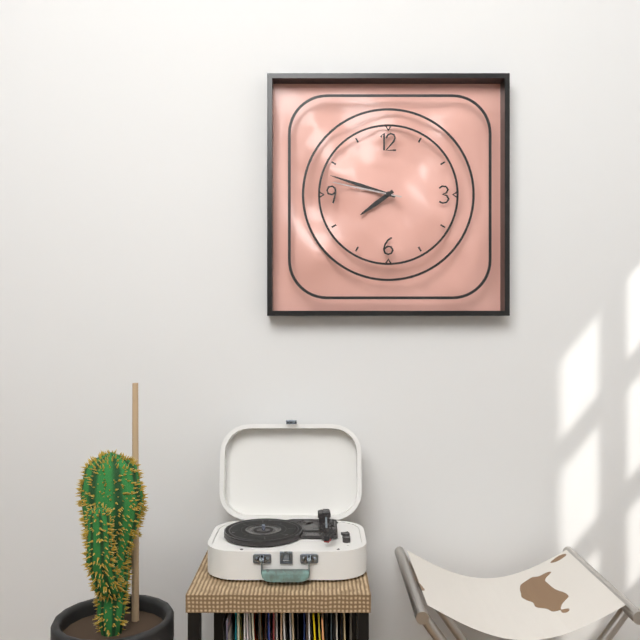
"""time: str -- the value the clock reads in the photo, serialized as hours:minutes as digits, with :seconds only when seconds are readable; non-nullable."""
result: 7:48:47
